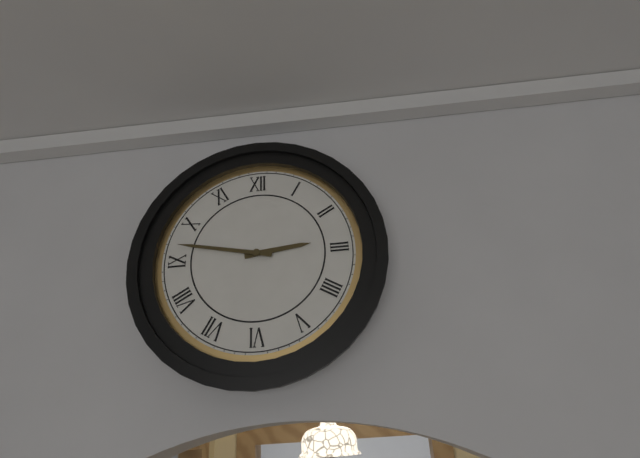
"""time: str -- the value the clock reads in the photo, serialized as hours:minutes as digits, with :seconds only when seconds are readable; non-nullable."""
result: 2:47
